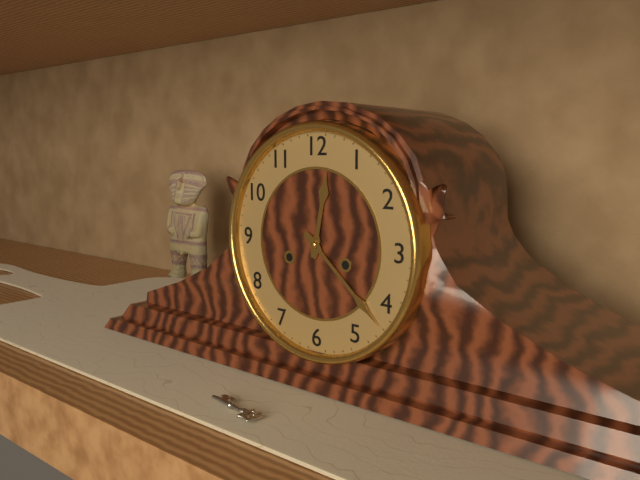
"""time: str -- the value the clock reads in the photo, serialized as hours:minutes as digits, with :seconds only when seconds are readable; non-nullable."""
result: 12:22
